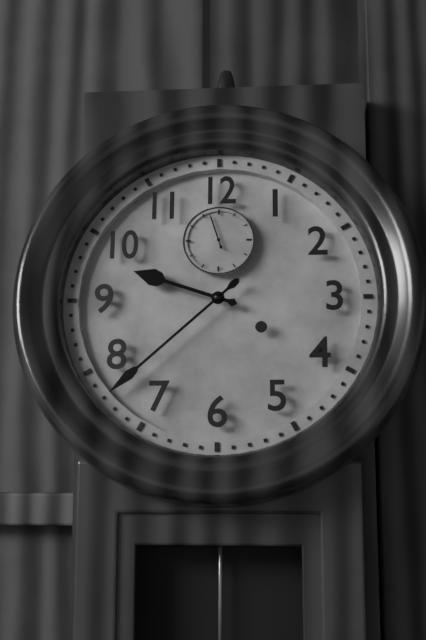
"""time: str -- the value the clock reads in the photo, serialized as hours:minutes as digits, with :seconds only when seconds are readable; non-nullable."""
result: 9:38
